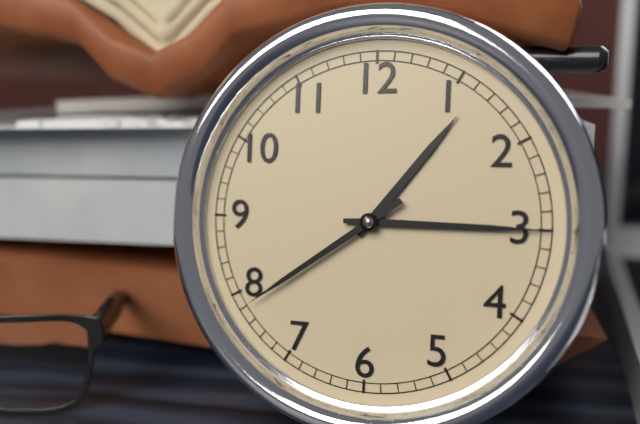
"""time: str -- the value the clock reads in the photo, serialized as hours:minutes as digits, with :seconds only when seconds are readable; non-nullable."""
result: 1:15:39
